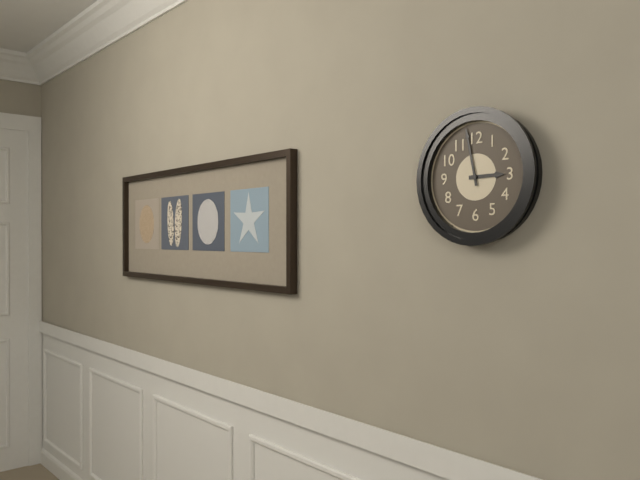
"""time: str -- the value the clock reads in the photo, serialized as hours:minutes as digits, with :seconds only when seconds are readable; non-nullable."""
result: 2:58
